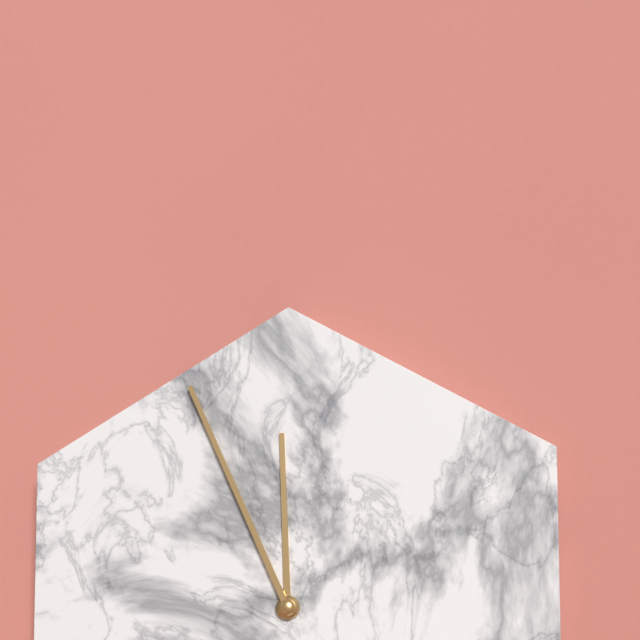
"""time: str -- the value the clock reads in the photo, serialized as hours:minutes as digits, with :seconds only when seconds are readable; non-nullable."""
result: 11:56
